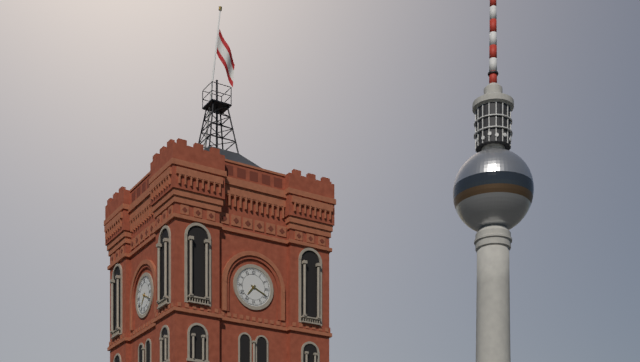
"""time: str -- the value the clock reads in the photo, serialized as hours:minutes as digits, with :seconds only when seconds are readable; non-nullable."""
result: 7:19
